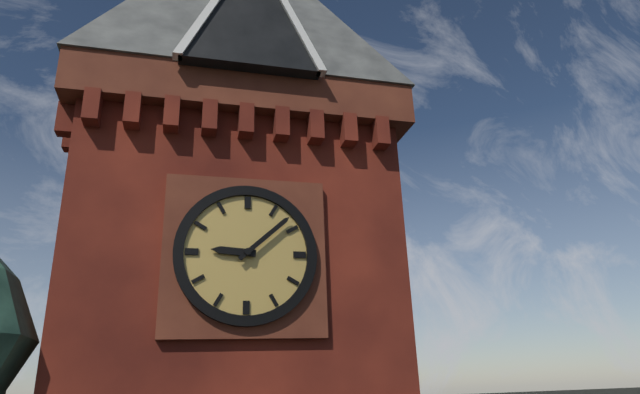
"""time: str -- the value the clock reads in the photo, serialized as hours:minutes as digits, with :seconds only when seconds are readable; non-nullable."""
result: 9:08
